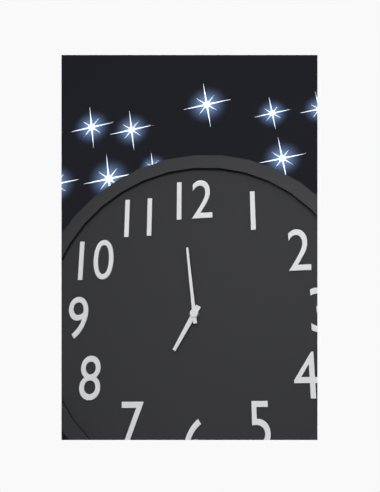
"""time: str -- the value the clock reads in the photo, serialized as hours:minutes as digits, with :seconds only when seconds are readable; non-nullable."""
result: 6:59
